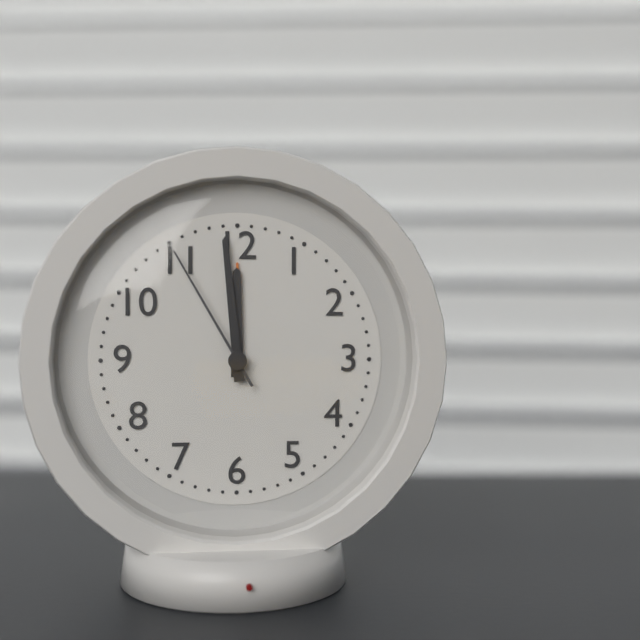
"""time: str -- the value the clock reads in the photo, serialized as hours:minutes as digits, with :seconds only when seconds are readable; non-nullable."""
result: 11:59:55
